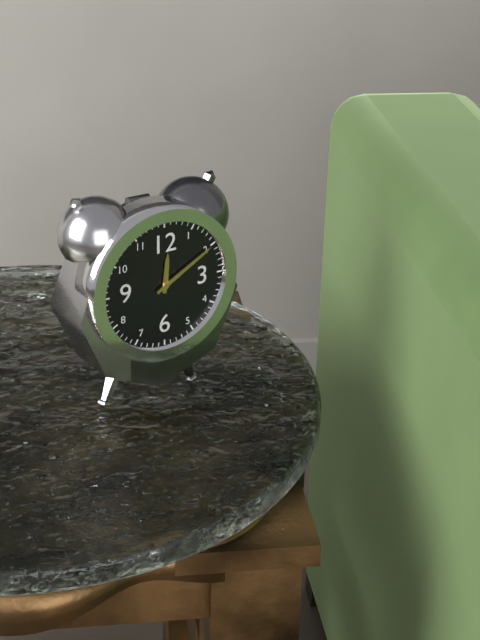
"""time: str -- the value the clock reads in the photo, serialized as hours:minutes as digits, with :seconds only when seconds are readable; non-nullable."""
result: 12:10
